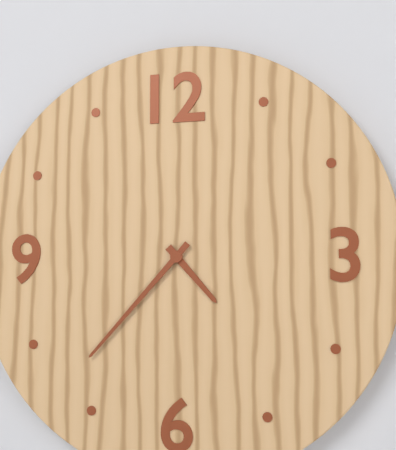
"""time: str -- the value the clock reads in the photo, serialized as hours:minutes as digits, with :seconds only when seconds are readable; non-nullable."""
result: 4:37
